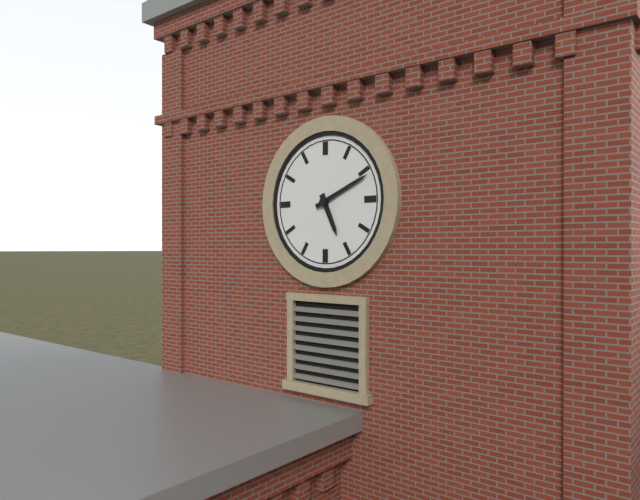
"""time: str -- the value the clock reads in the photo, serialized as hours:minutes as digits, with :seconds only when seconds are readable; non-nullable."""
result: 5:11
